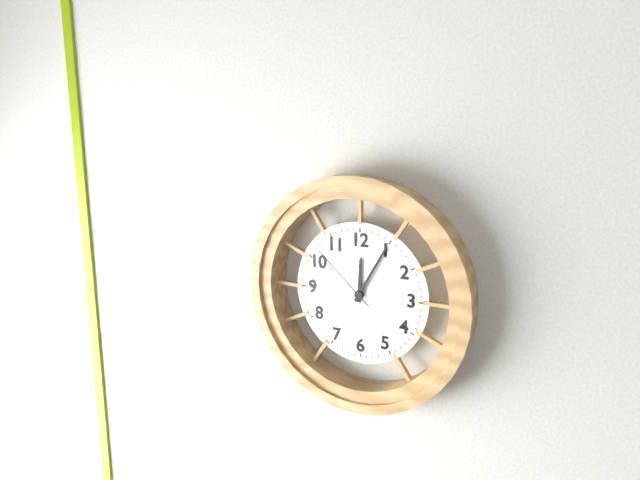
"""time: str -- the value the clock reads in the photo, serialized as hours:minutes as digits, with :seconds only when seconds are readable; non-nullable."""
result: 12:05:52
